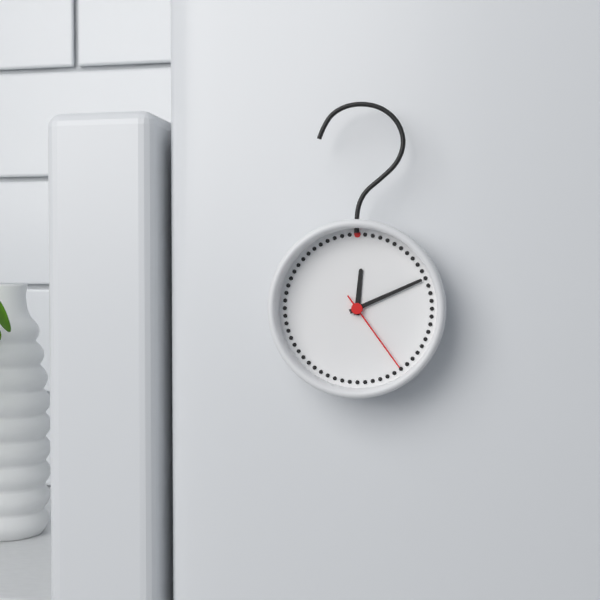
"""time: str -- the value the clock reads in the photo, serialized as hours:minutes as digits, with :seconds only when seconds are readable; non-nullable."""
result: 12:11:24
